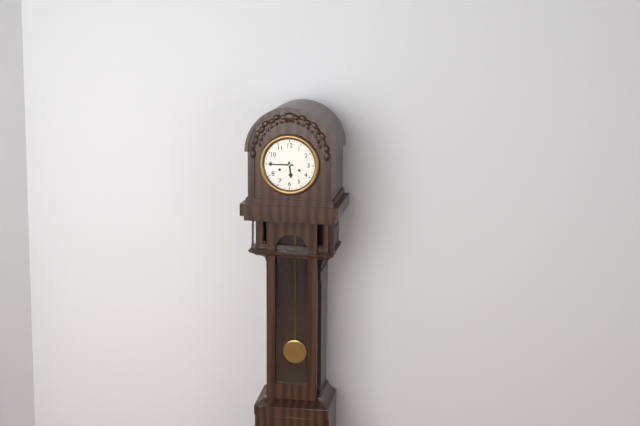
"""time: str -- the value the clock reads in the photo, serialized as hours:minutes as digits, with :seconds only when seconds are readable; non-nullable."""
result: 5:45
